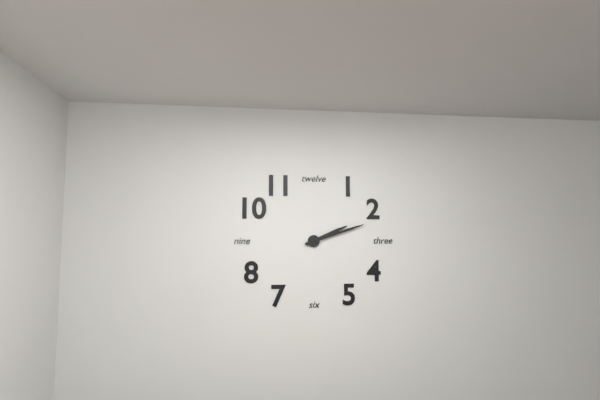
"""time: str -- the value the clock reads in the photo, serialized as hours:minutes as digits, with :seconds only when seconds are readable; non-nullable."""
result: 2:12
